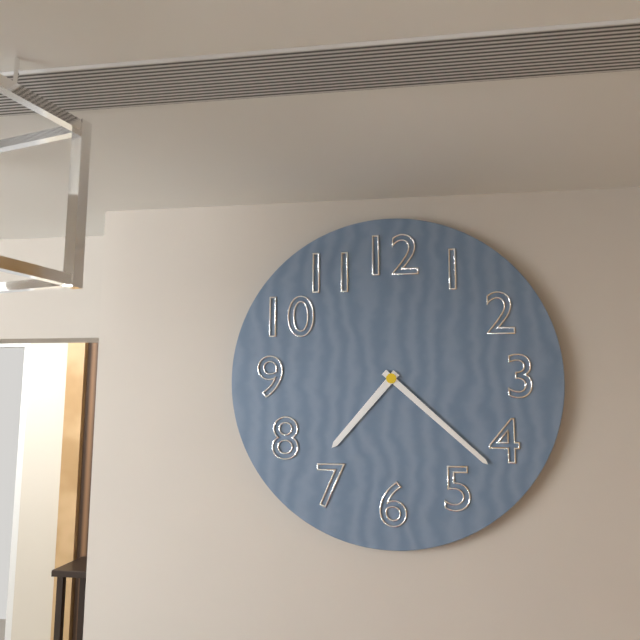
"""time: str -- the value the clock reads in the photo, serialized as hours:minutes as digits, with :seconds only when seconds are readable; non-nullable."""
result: 7:22
